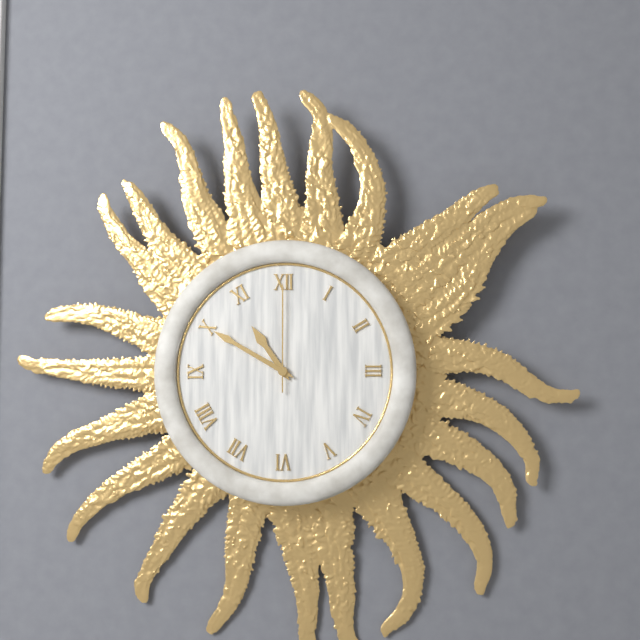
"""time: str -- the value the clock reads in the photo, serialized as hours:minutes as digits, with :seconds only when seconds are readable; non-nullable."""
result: 10:50:00
